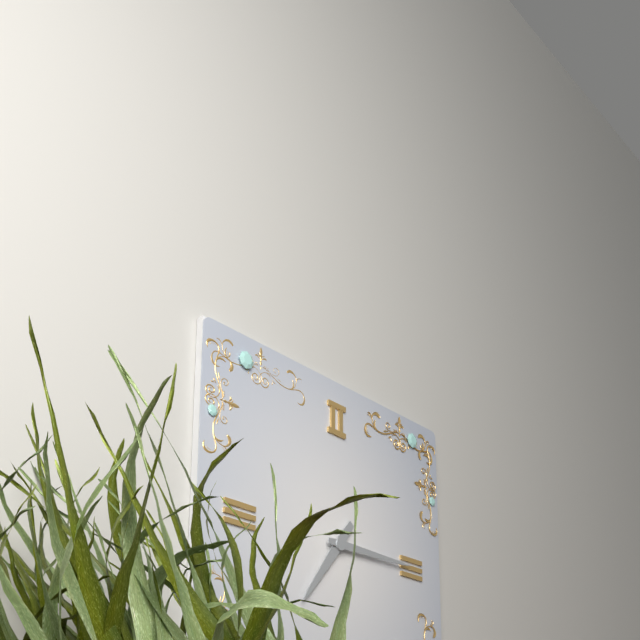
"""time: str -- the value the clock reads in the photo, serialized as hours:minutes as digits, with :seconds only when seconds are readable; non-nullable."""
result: 7:15
